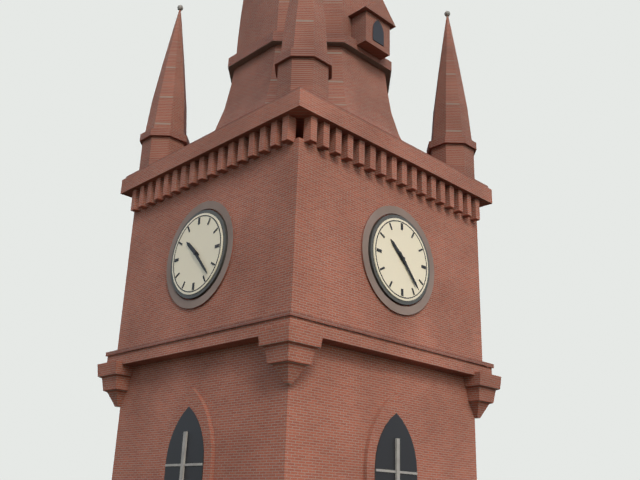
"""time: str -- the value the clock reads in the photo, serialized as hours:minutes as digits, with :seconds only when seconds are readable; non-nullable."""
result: 10:23
